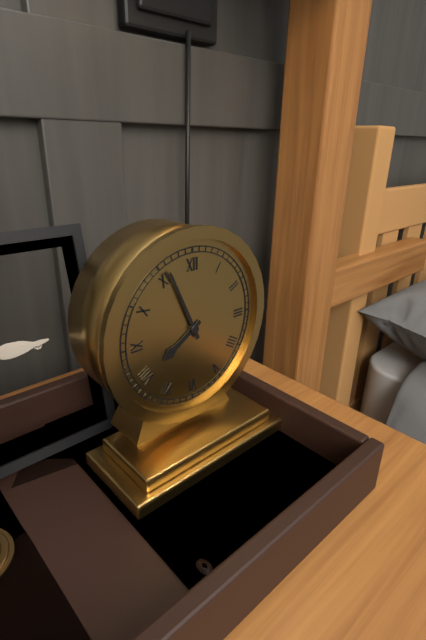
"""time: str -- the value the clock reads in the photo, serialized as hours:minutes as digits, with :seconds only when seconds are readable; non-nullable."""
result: 7:56
